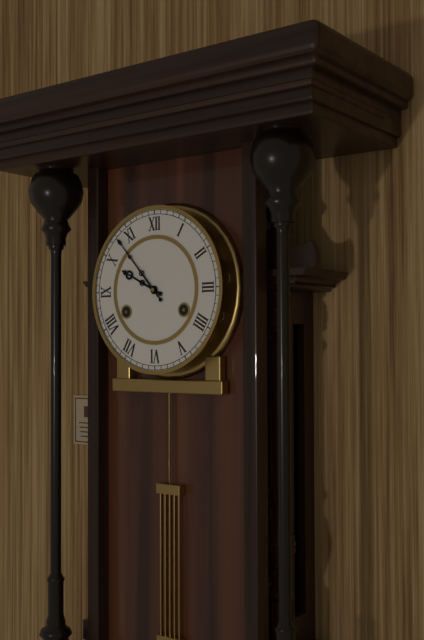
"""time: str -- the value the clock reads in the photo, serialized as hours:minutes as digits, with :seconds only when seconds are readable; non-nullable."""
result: 9:53
